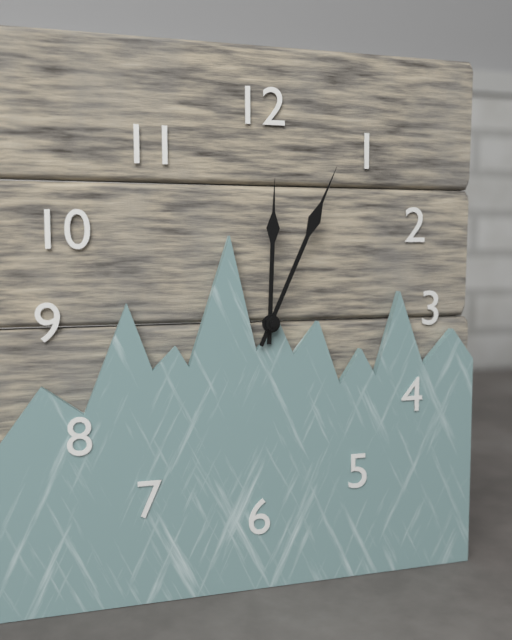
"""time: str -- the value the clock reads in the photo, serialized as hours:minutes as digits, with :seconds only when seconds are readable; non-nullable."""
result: 12:04
